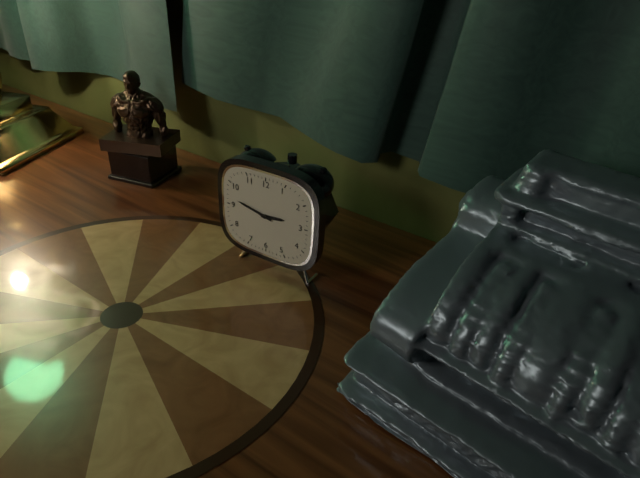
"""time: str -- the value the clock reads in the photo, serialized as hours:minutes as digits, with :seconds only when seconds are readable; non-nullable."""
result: 2:47
